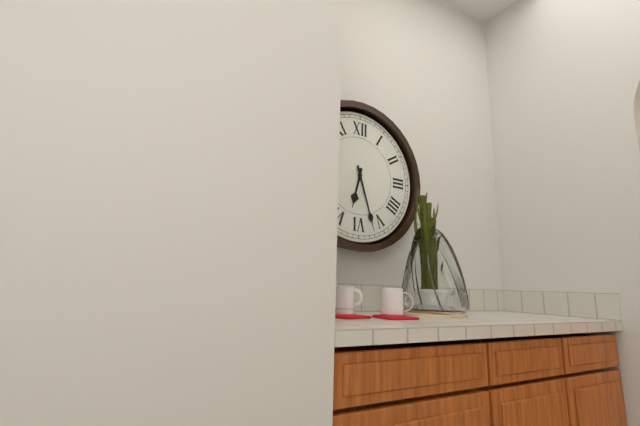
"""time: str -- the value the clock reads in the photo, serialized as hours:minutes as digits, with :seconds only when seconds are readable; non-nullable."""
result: 6:27
